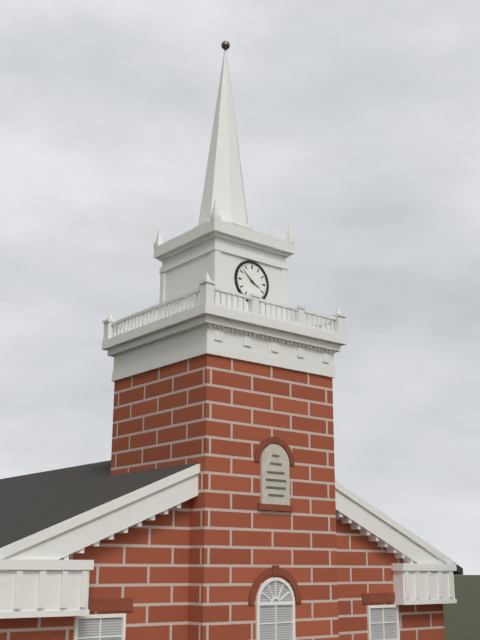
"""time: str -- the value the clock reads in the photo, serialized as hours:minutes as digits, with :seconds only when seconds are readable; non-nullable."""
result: 3:52
